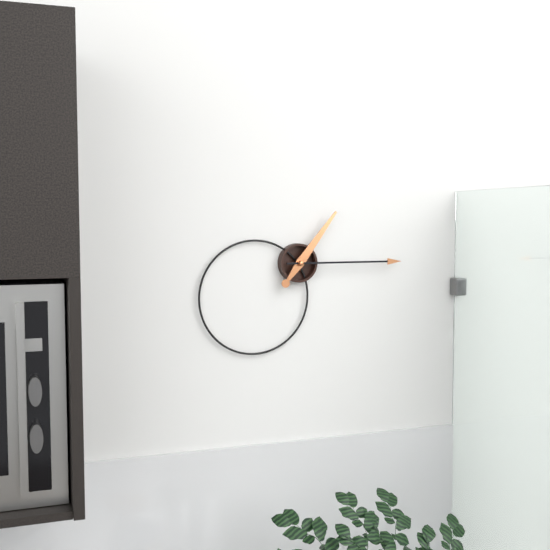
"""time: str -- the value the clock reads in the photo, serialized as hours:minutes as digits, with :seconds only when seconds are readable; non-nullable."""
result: 1:15
